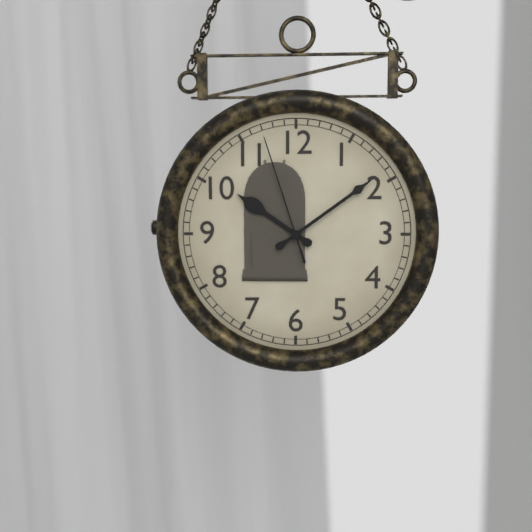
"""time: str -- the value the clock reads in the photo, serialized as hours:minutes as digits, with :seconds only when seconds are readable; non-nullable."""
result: 10:09:57
